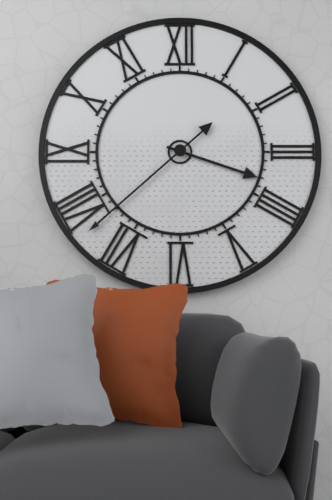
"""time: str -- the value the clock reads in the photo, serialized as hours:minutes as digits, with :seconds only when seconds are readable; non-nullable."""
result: 3:38
